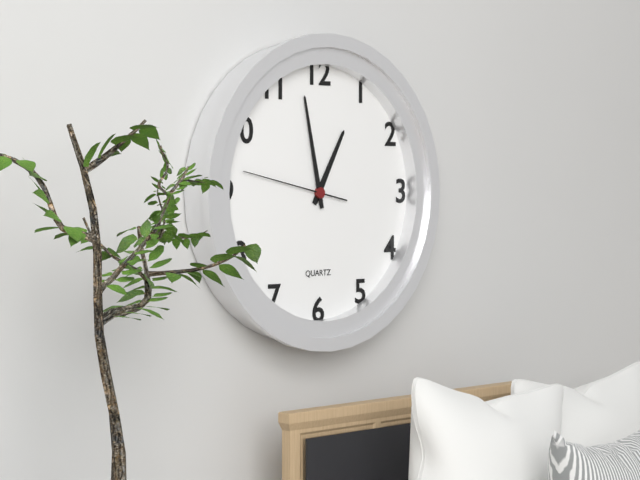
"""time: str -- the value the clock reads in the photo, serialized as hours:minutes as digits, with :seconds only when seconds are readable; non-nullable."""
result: 12:58:47
